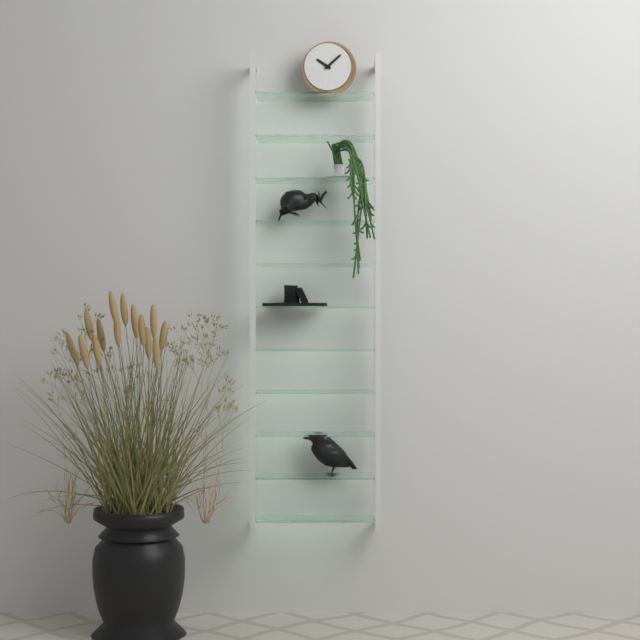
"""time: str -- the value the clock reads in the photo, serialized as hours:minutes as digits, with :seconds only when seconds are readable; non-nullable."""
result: 10:08
